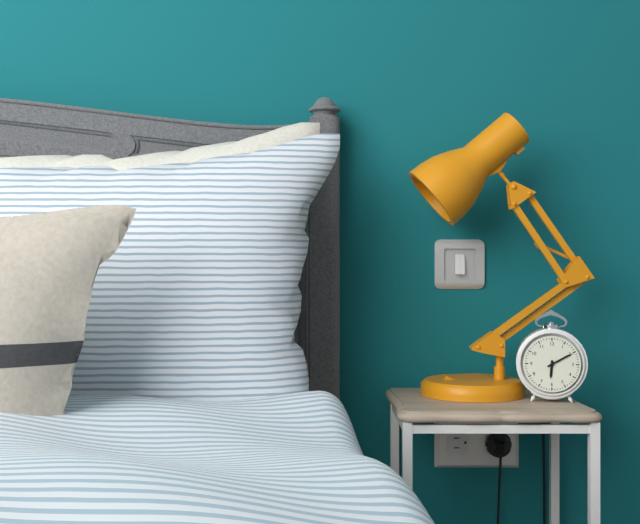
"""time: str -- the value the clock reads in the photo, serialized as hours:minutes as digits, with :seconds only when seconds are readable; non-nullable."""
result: 6:10
